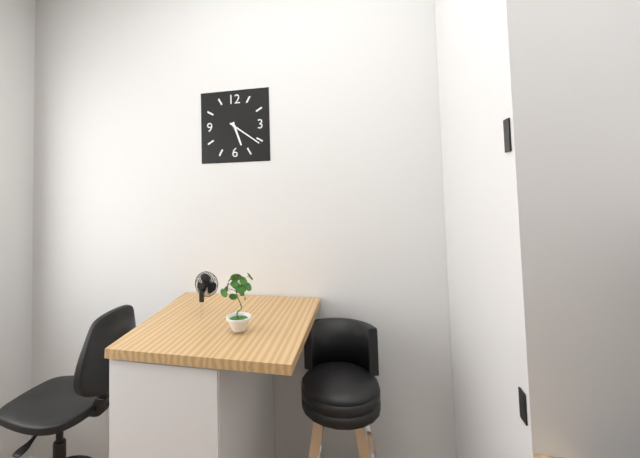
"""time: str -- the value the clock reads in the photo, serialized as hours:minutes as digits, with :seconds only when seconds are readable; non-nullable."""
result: 5:21
